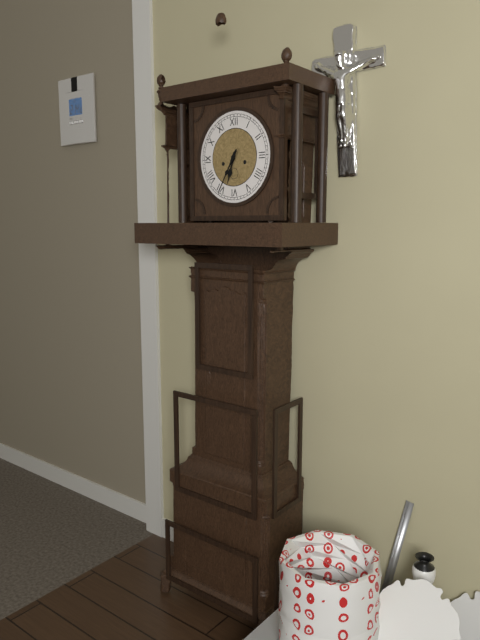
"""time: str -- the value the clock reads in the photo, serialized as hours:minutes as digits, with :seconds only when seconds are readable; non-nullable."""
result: 6:35
